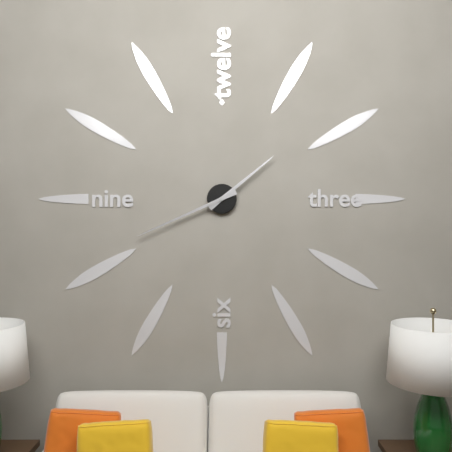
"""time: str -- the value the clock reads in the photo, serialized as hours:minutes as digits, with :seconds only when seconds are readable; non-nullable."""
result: 1:41
